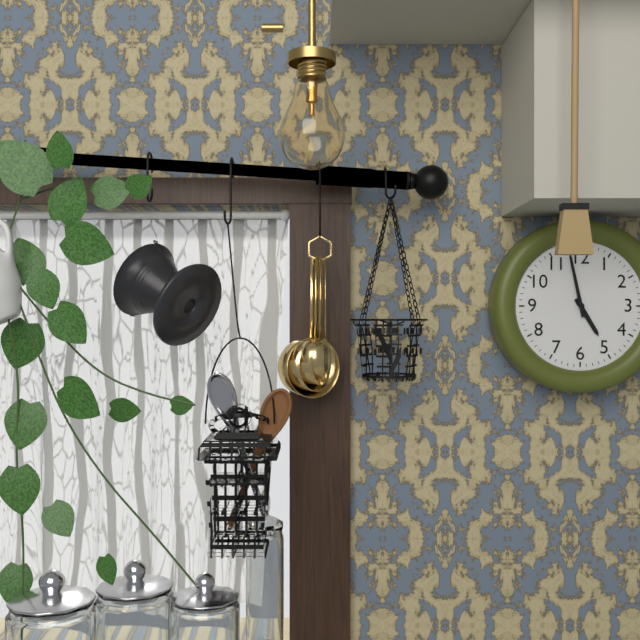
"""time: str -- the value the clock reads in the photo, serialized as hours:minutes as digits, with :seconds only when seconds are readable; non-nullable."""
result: 4:58
